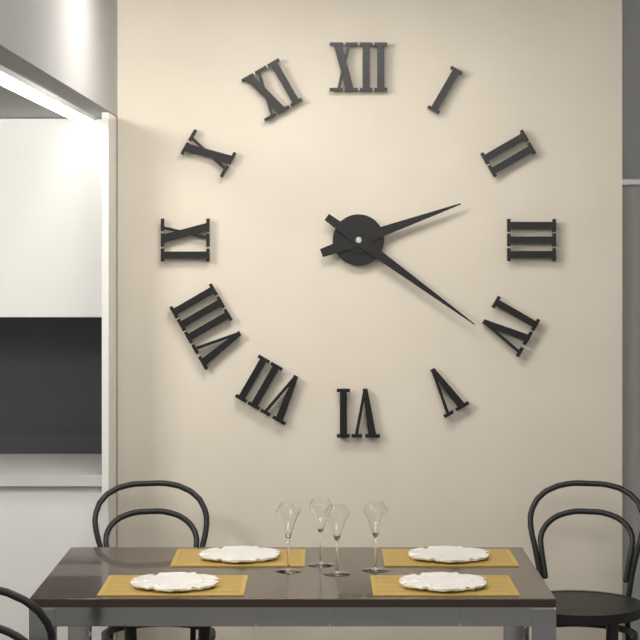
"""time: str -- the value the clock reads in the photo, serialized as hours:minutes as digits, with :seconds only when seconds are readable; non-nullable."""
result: 2:21
